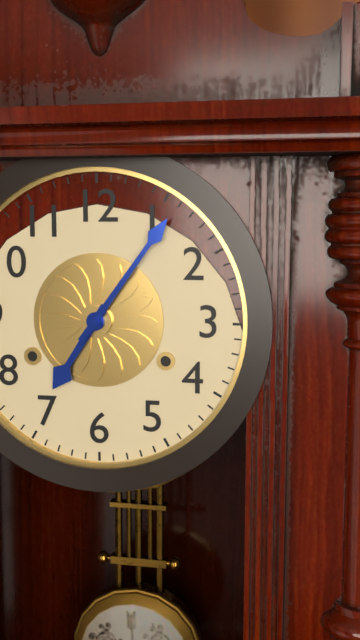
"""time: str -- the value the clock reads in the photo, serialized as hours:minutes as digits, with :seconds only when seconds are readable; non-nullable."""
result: 7:06
